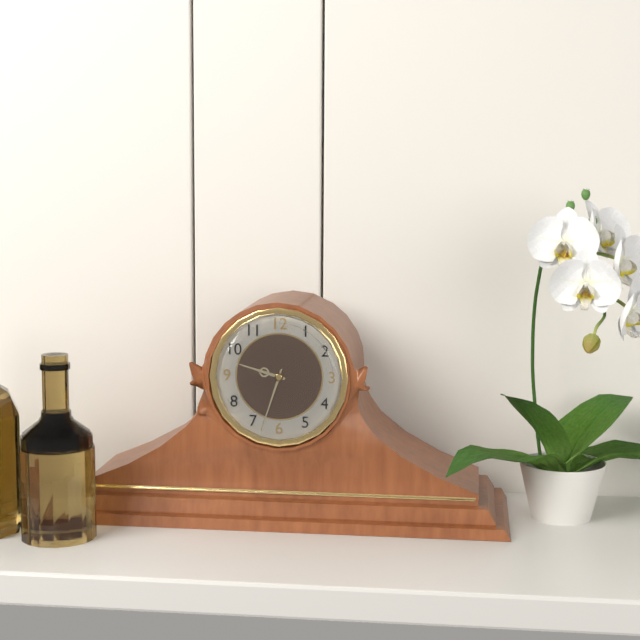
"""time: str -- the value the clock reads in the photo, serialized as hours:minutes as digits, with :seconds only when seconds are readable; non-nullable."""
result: 9:33
